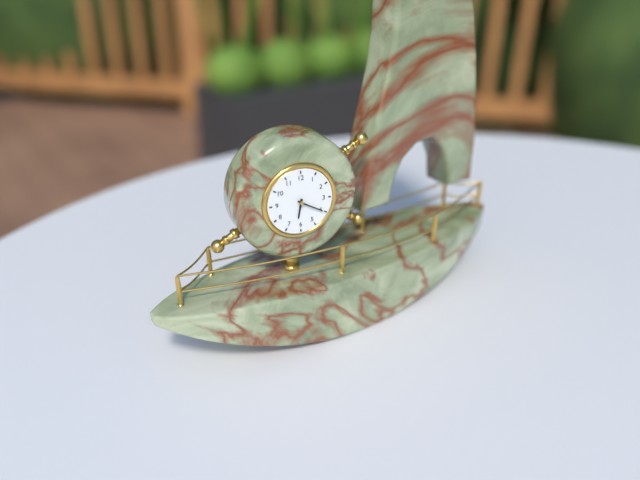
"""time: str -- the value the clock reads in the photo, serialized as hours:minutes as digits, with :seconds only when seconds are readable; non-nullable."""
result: 6:20
